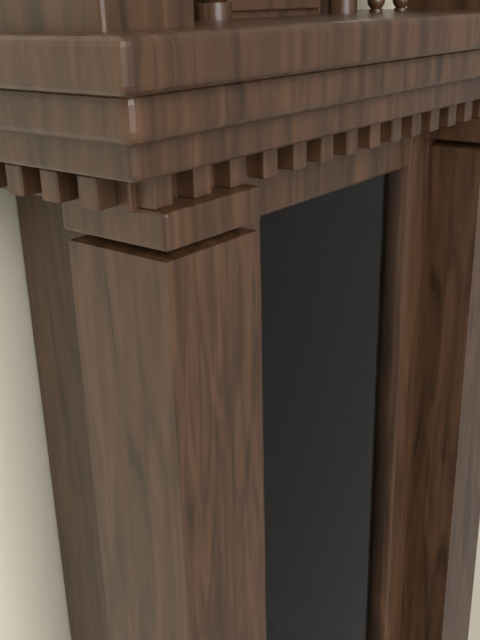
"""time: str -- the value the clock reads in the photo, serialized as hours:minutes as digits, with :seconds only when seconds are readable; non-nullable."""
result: 5:39
